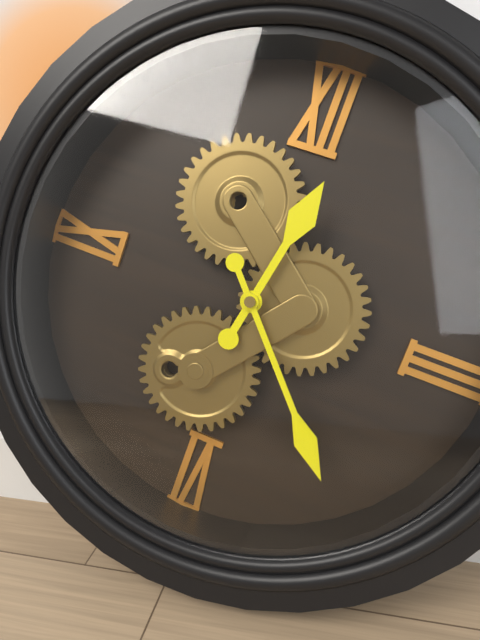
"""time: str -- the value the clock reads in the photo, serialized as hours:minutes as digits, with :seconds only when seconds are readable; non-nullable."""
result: 12:23
